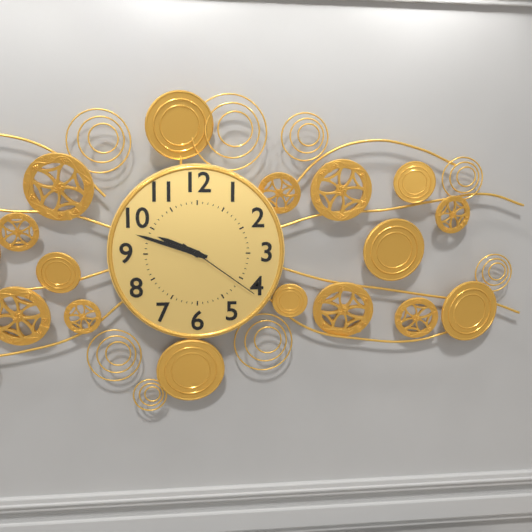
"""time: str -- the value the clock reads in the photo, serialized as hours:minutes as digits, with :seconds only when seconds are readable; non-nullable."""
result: 9:48:21
